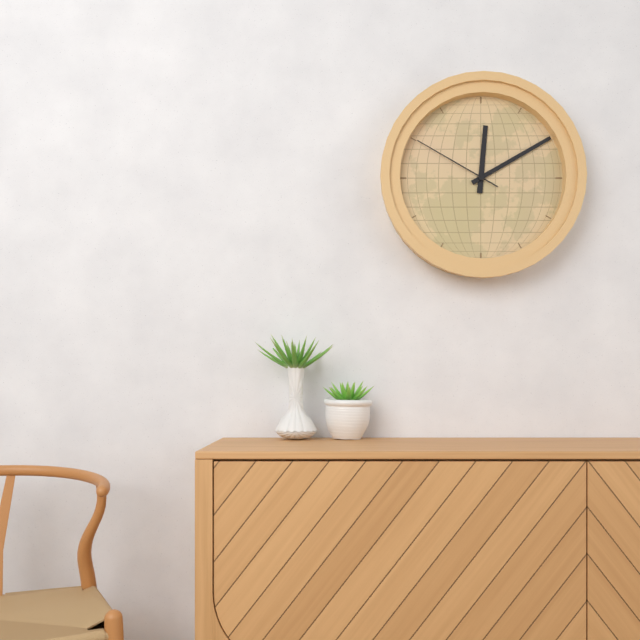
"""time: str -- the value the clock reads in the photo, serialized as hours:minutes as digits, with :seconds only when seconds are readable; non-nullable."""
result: 12:10:50
